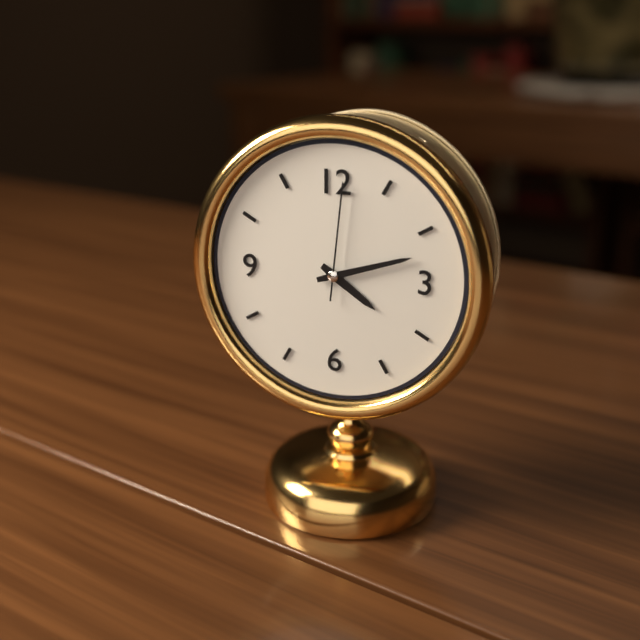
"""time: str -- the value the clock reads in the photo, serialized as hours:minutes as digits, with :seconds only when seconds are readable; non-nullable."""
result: 4:12:01
